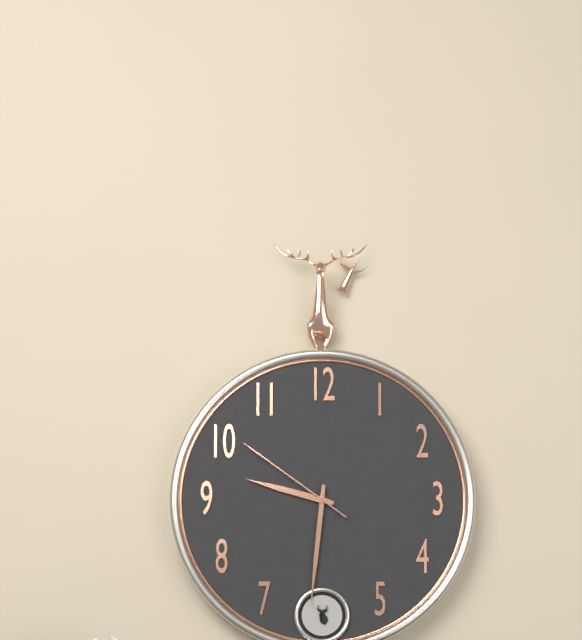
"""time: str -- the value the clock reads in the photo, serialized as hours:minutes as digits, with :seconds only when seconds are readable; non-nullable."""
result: 9:31:51
